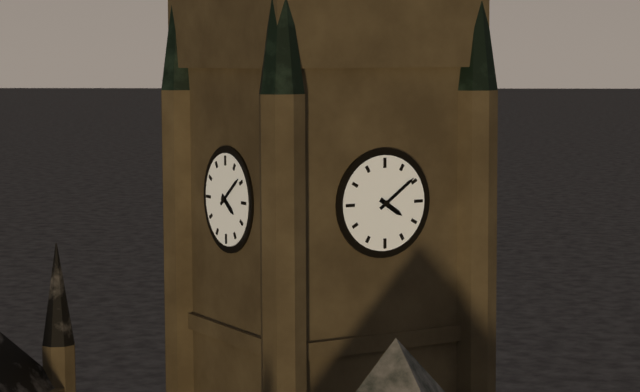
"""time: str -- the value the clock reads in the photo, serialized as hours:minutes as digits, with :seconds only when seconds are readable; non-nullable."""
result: 4:09
